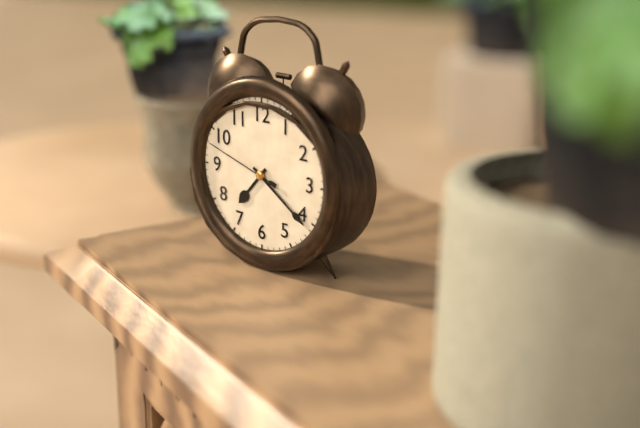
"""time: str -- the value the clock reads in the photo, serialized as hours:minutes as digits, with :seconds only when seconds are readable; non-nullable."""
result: 7:21:48
